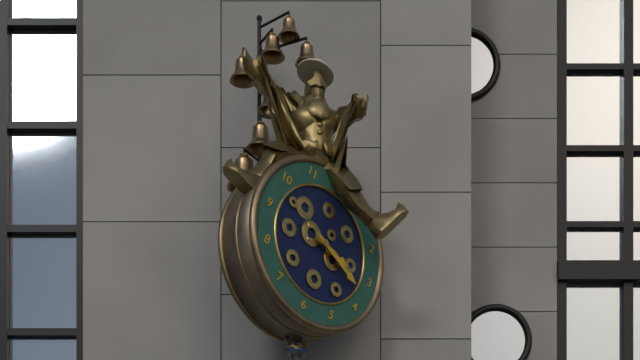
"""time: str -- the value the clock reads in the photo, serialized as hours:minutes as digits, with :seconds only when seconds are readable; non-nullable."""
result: 3:18
